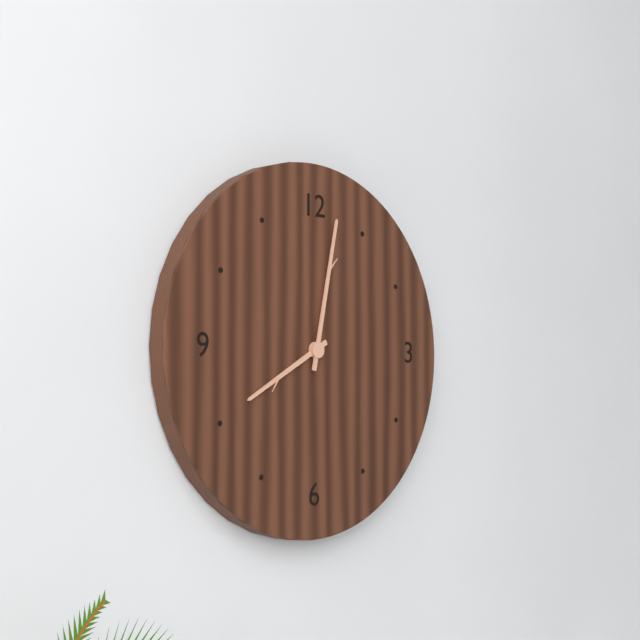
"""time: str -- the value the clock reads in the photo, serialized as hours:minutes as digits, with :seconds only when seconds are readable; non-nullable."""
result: 8:02
